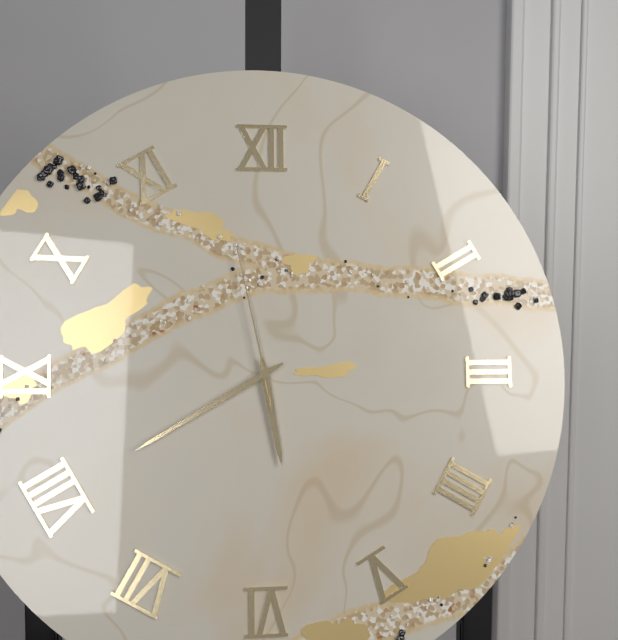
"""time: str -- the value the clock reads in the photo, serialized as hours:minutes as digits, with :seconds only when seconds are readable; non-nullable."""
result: 5:40:58
